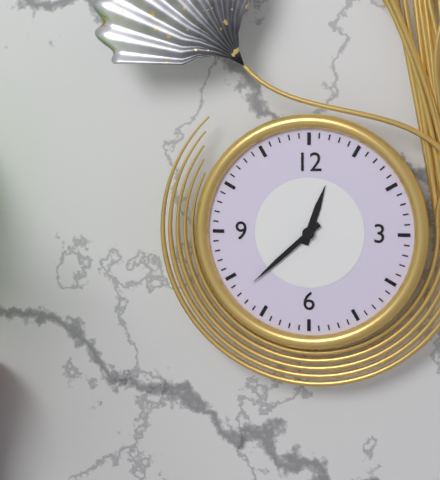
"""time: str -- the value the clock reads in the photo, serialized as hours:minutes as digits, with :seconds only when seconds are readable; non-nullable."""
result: 12:38
